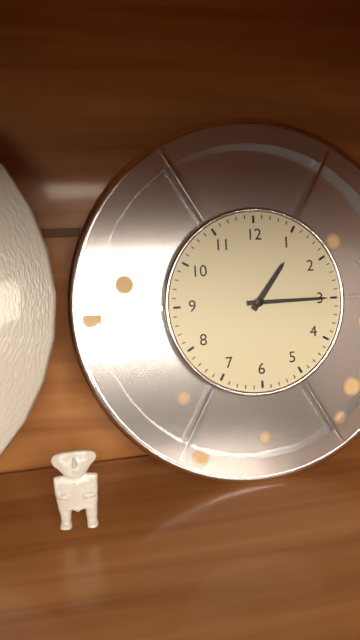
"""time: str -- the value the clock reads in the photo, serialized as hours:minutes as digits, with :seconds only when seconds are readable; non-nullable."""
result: 1:15
